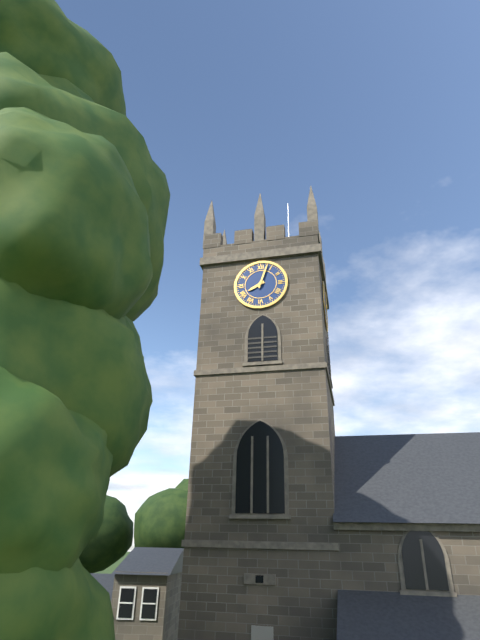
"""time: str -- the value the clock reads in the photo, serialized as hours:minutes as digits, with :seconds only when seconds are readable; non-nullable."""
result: 8:03
